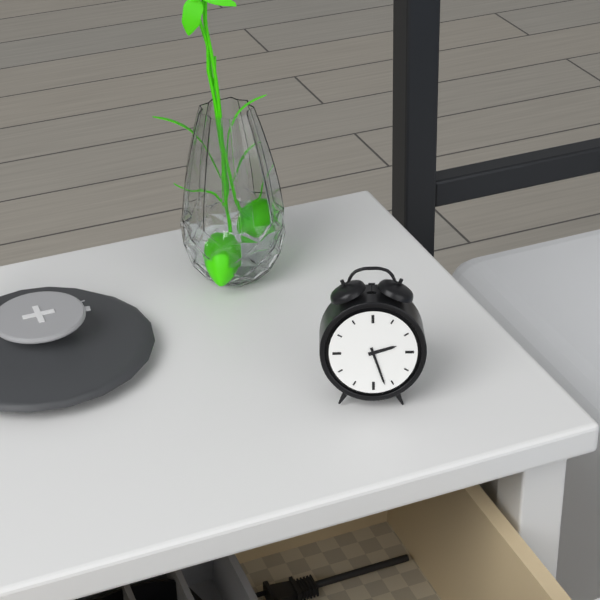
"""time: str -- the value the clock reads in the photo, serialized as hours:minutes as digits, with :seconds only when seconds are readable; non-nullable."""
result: 2:27
